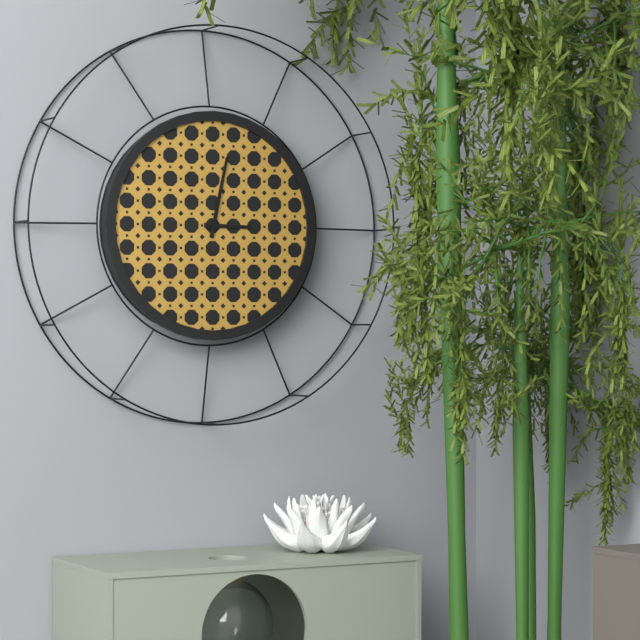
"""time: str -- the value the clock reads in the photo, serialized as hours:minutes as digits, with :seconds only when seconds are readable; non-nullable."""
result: 3:02
